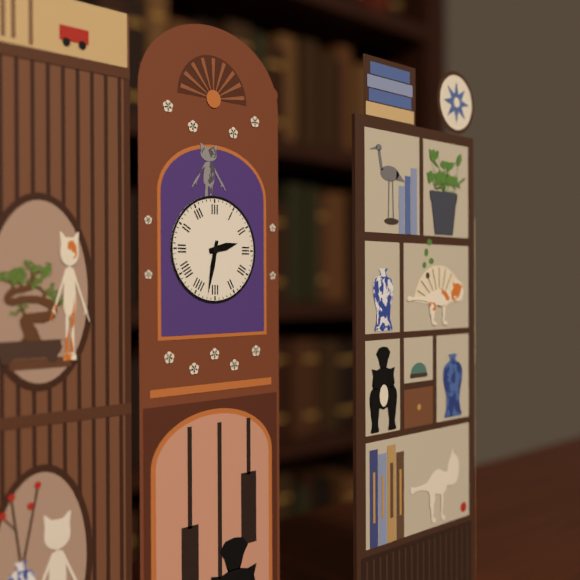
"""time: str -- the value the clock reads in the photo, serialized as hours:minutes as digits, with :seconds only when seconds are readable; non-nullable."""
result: 2:32
